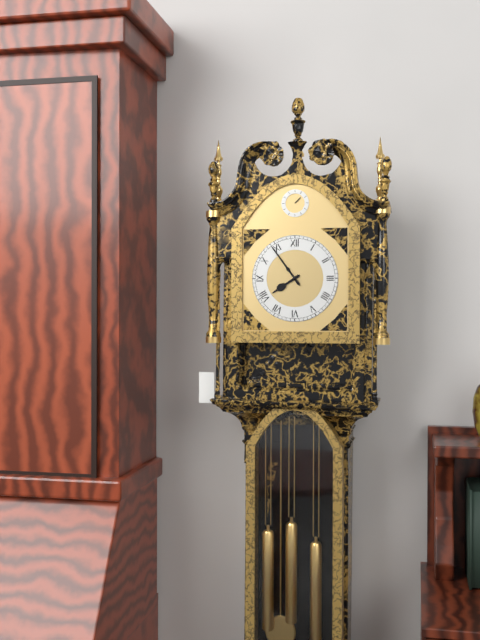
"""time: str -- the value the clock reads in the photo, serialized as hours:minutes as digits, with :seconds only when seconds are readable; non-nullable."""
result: 7:54
